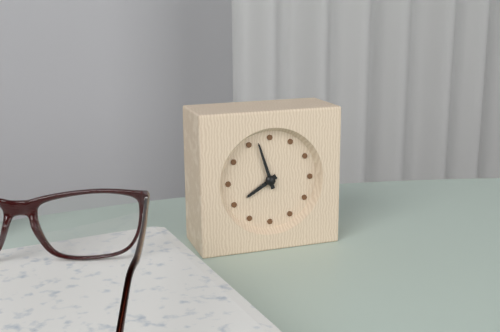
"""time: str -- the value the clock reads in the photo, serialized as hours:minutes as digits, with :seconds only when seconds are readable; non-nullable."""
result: 7:57
